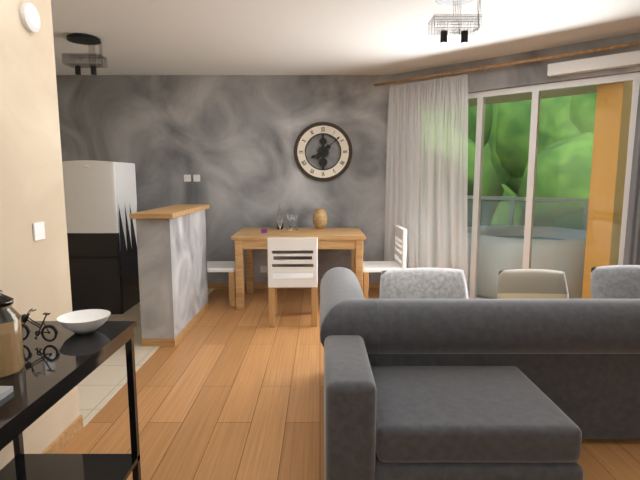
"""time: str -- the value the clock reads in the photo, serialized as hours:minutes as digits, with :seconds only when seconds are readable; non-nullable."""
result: 8:08
